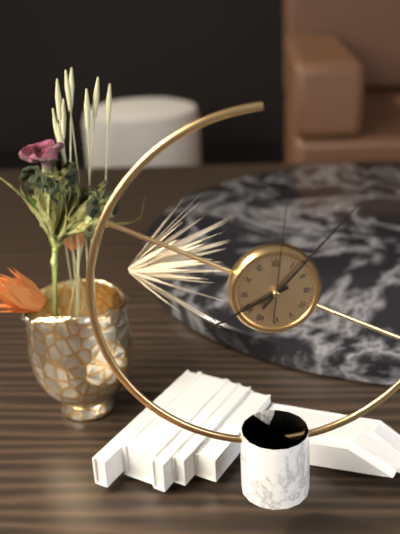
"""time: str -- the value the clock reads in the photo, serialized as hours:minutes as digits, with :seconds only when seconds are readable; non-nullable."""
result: 8:07:01
